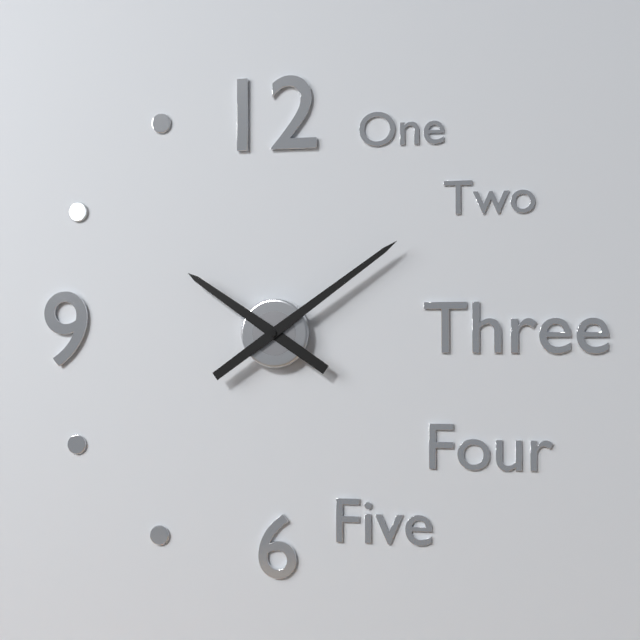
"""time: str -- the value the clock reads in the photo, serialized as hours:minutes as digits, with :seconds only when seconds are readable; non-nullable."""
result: 10:09
